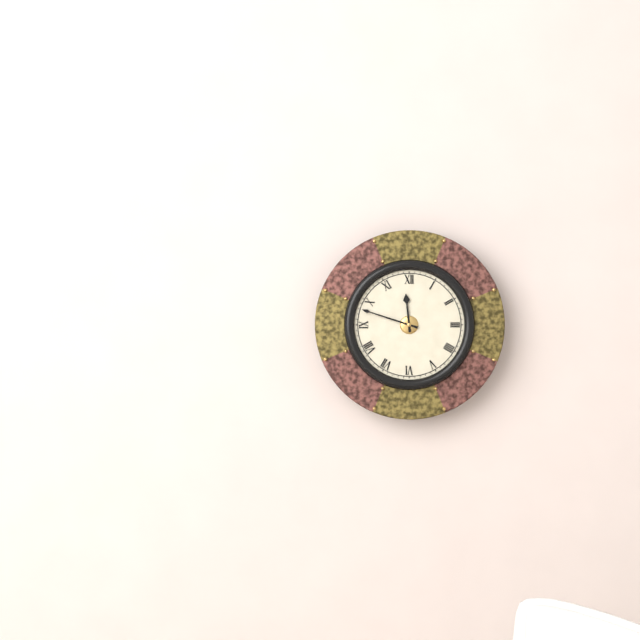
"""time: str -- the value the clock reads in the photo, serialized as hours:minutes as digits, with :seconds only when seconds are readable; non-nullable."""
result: 11:48
